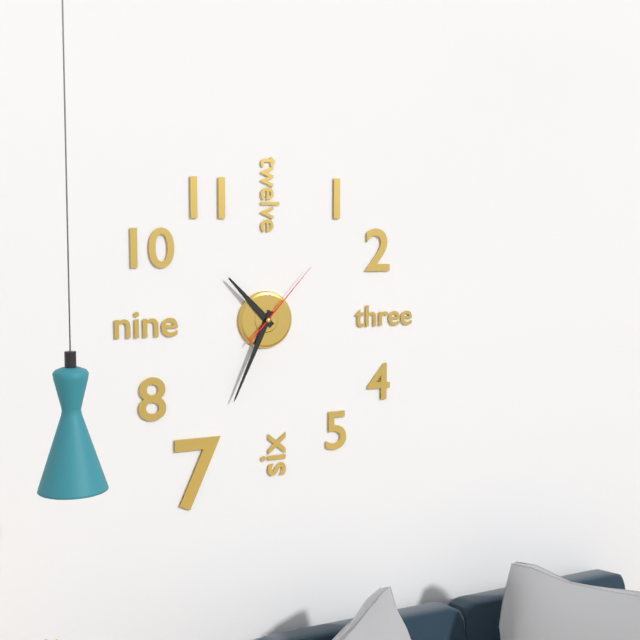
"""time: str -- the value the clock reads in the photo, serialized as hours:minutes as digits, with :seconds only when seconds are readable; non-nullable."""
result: 10:34:07
